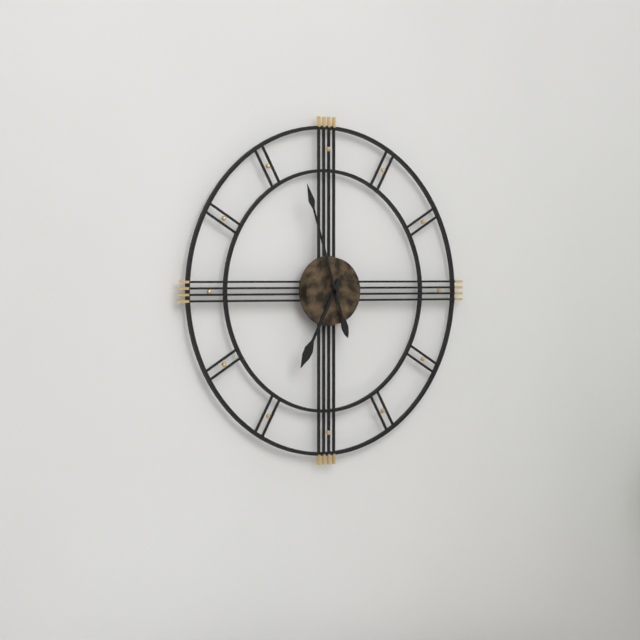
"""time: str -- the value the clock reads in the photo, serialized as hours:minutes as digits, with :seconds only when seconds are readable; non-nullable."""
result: 6:57
